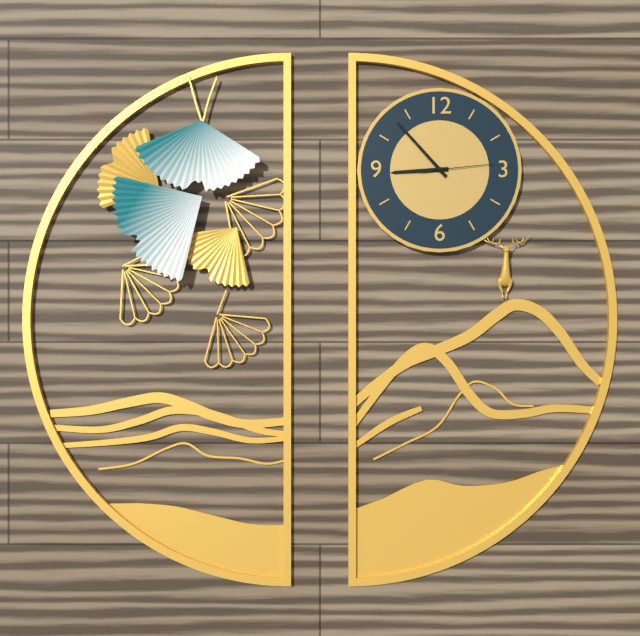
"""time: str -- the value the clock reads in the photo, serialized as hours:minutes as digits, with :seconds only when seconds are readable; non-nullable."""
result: 8:53:14
